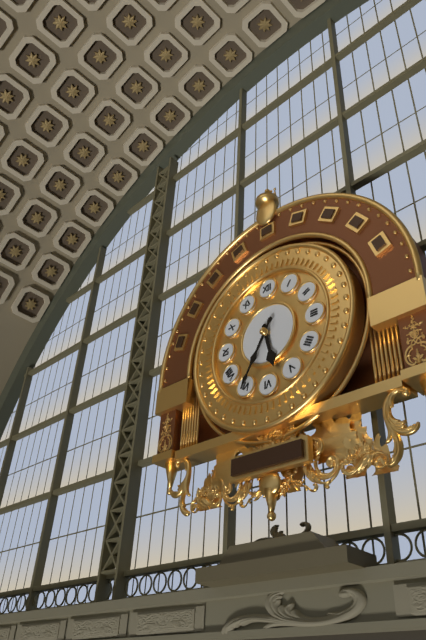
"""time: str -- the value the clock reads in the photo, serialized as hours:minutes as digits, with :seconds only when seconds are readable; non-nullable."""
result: 5:35
